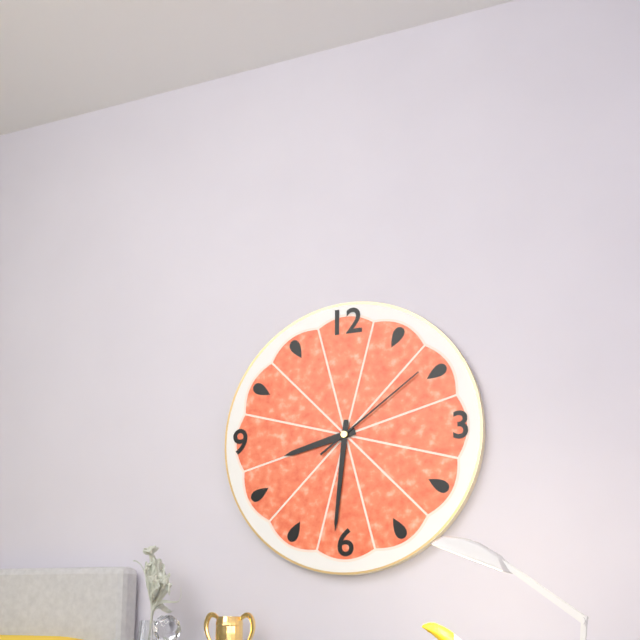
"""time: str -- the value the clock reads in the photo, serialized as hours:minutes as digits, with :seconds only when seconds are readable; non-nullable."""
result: 8:31:09
